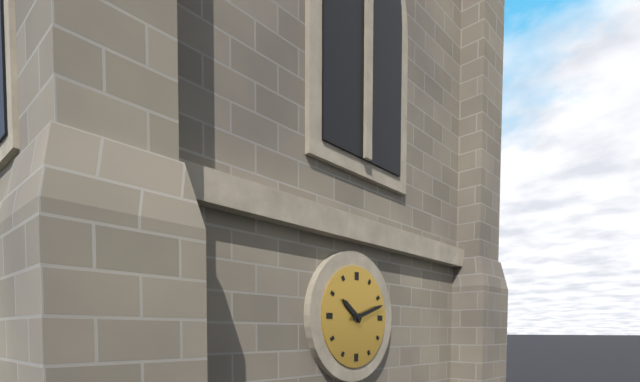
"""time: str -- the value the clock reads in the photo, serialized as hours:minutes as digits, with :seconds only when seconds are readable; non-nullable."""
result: 10:12
